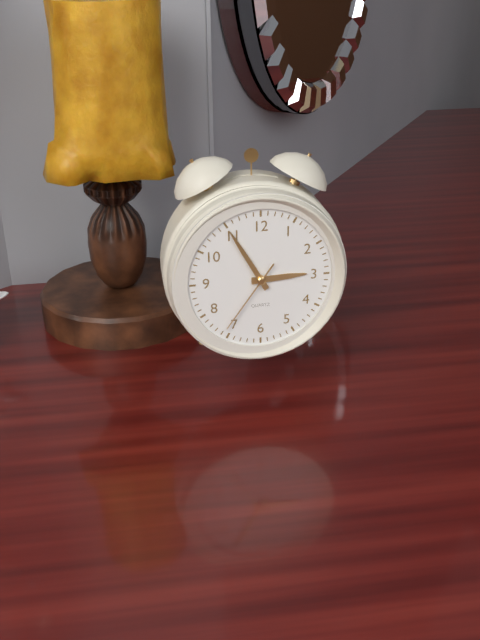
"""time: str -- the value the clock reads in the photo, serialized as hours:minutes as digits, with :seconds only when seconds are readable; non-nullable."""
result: 2:55:36
